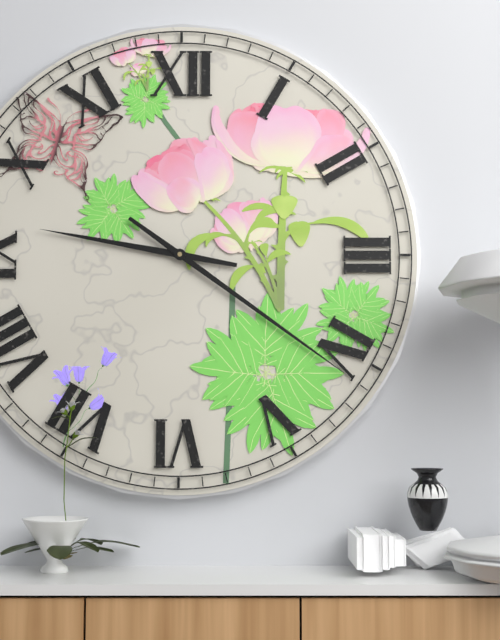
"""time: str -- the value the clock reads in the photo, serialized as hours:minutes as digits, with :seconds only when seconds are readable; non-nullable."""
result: 9:21
